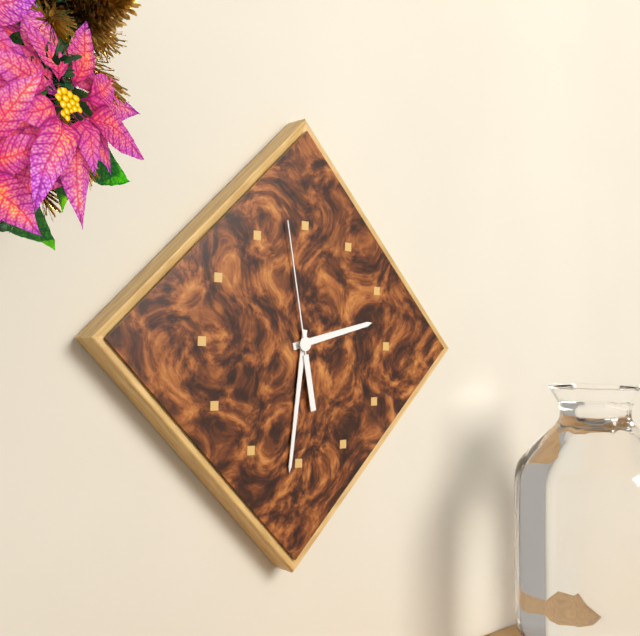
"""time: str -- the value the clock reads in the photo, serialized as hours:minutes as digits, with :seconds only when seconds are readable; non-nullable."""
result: 2:31:58
